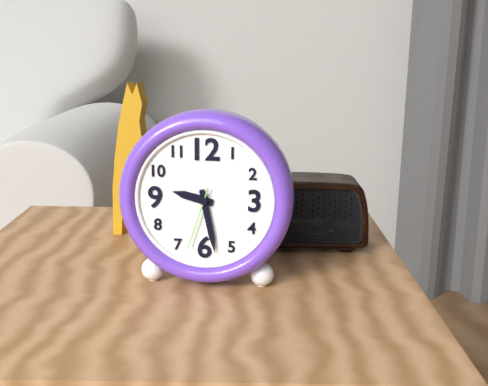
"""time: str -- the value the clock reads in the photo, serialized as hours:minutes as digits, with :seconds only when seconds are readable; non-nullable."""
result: 9:28:33
